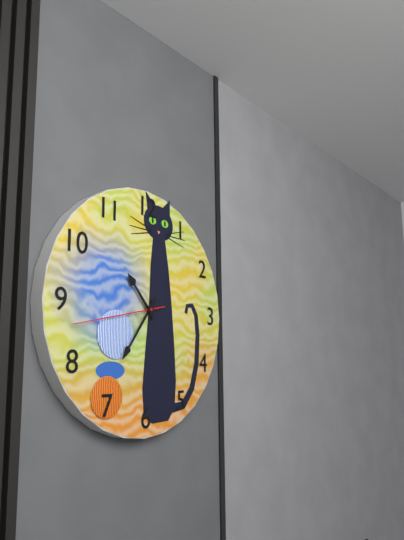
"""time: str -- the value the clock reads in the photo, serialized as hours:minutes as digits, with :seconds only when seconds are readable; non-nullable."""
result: 10:36:43
